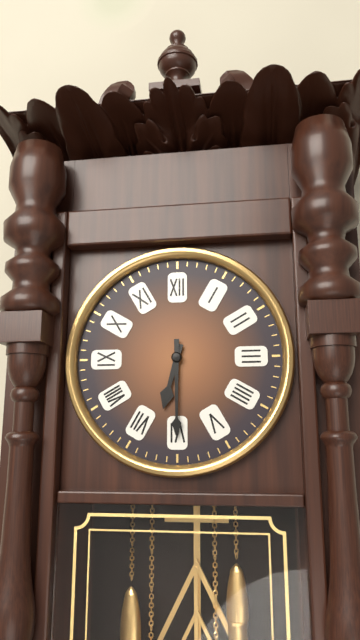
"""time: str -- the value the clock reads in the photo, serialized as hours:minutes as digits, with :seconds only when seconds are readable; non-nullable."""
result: 6:30
